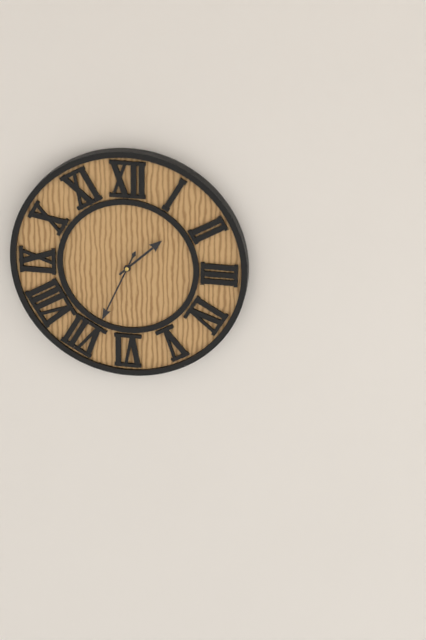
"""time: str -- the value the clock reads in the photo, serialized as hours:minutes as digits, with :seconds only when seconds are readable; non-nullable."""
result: 1:34
